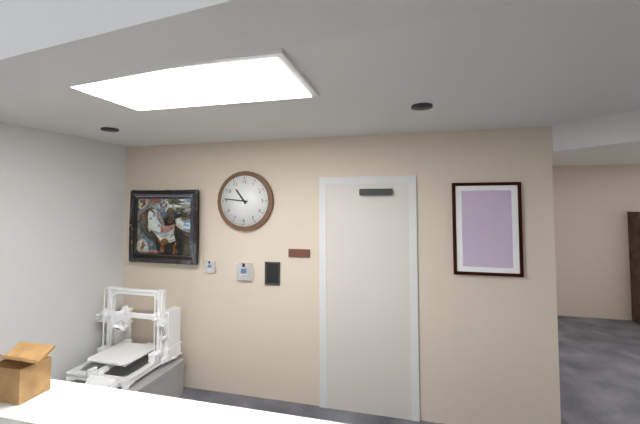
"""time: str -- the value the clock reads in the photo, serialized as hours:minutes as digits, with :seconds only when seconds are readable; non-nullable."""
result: 10:46
